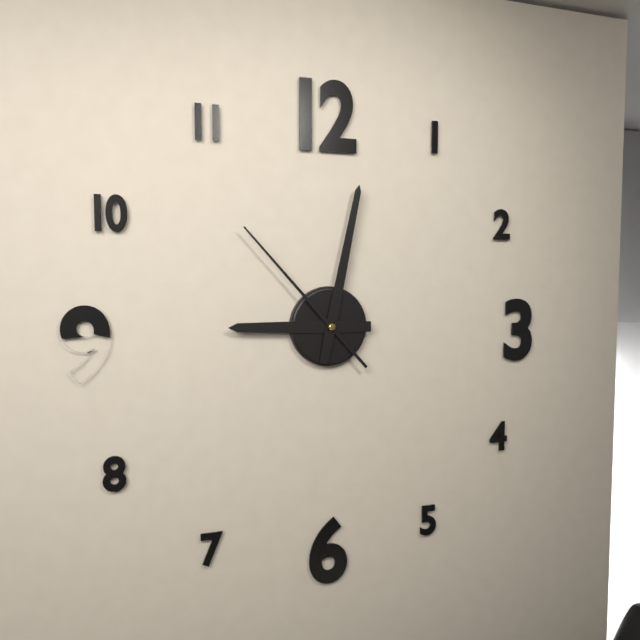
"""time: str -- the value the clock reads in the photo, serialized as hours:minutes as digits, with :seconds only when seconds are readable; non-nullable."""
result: 9:02:53
